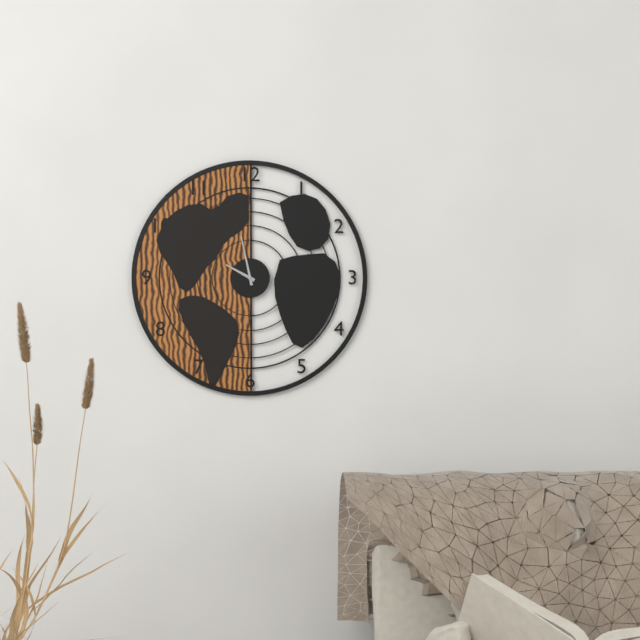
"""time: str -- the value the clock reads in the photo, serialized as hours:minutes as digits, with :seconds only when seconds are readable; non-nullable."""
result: 9:58
